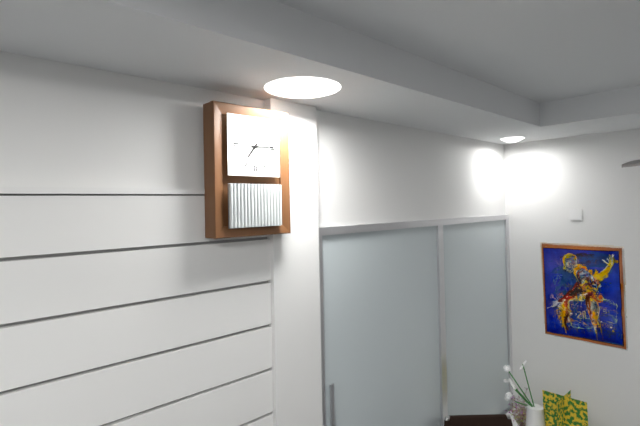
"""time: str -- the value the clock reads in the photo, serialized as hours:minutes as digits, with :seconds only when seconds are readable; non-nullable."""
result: 7:15
